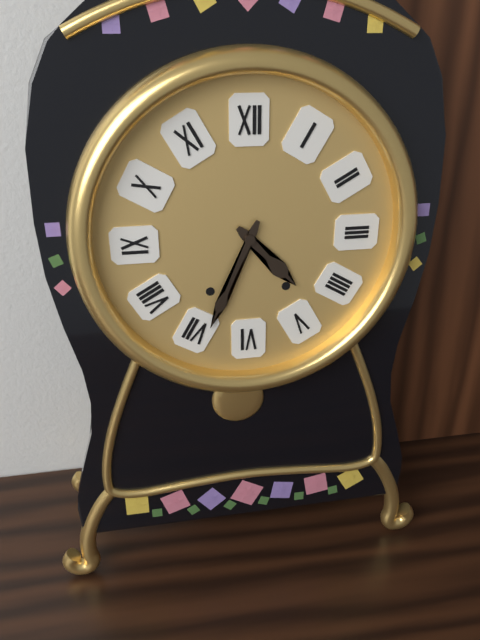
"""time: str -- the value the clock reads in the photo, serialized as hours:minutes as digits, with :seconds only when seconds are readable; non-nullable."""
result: 4:34
